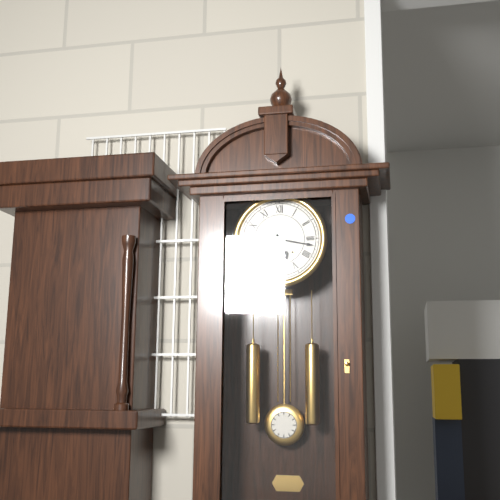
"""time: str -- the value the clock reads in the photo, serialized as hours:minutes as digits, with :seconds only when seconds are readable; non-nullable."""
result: 5:17
